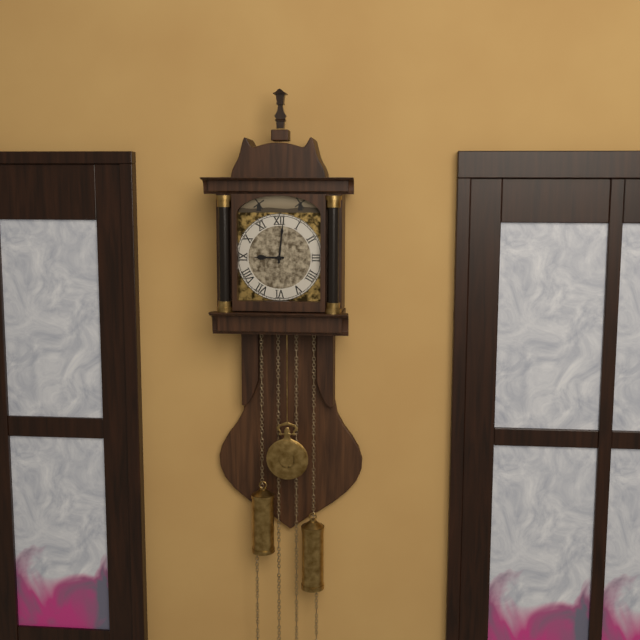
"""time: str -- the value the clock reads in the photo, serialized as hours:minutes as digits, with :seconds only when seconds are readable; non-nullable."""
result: 9:01
